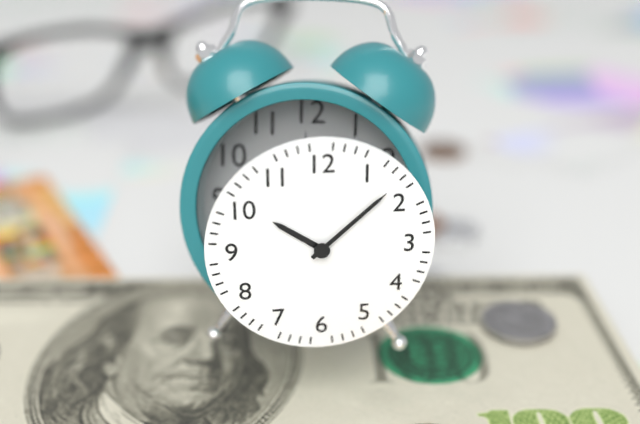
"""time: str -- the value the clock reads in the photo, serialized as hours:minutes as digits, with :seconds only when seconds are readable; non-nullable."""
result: 10:08
